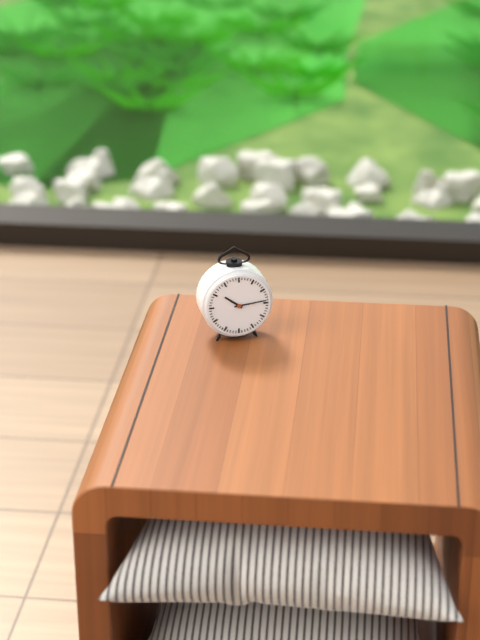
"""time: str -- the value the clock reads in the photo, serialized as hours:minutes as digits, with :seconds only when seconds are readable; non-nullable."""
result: 10:14
